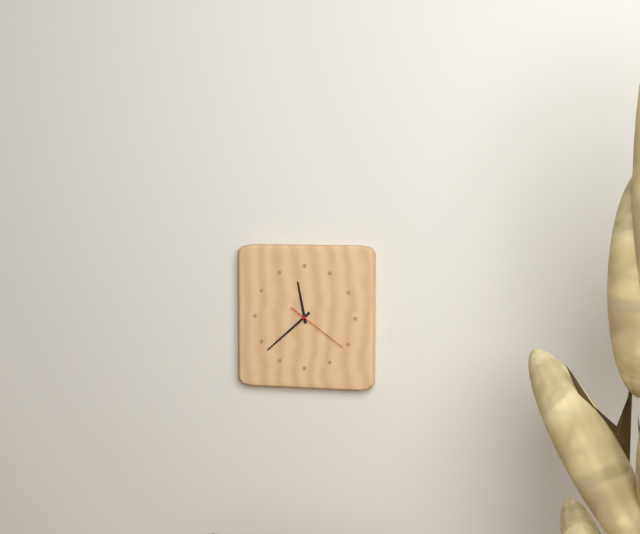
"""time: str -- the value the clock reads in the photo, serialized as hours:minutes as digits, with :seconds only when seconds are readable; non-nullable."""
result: 11:38:21
